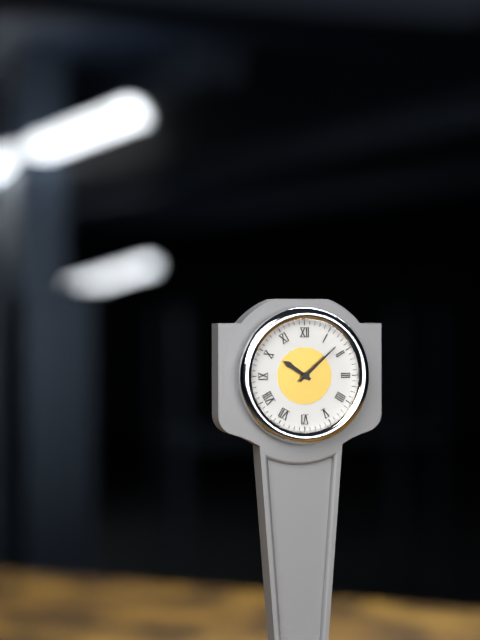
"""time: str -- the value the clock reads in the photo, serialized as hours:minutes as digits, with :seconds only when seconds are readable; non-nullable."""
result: 10:08
